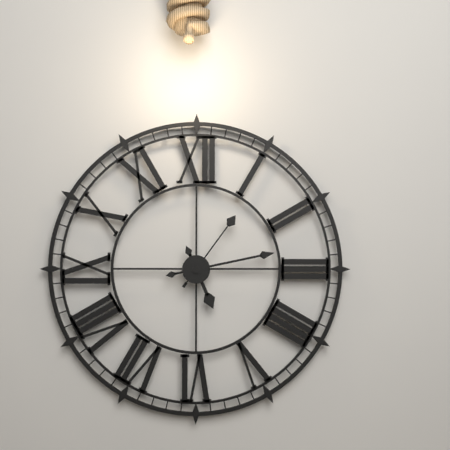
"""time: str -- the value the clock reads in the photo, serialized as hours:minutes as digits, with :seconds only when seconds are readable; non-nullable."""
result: 5:13:06
